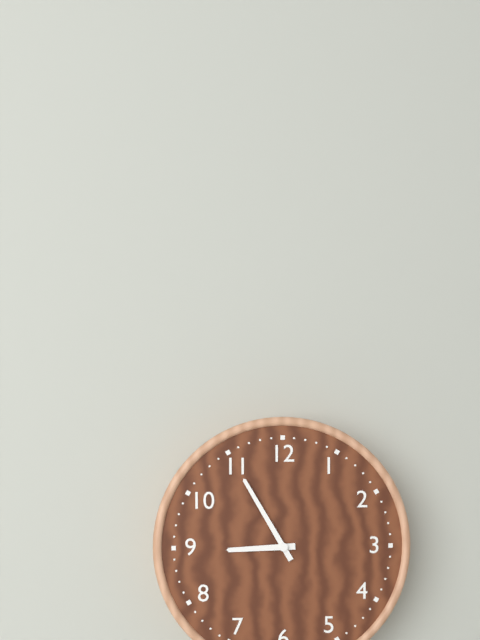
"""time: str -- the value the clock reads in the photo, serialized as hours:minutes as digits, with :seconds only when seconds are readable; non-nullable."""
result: 8:55
